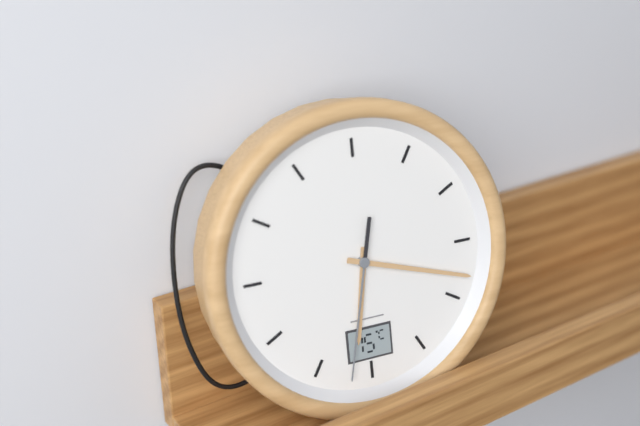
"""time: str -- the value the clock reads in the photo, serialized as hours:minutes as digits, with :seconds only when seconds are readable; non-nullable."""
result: 6:18:32
